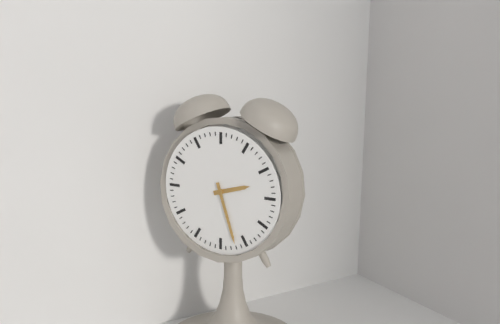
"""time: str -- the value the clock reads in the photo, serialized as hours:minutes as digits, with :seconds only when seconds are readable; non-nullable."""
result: 2:27
